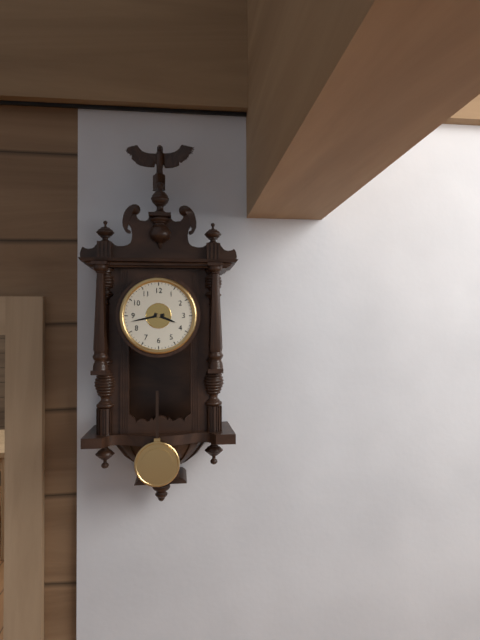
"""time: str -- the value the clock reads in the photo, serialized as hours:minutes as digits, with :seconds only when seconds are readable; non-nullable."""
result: 3:43
